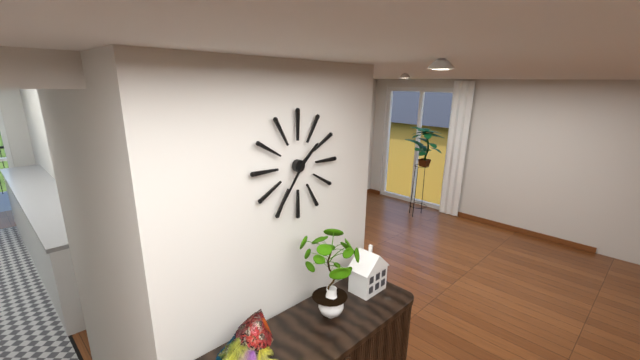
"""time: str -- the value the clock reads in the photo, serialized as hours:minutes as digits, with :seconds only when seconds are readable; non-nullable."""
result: 1:36
